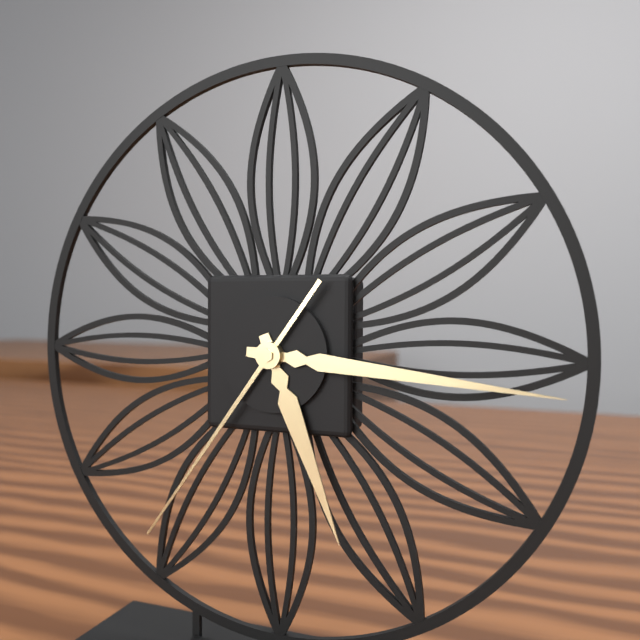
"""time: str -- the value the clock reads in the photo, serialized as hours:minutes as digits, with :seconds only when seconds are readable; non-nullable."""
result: 5:16:36
